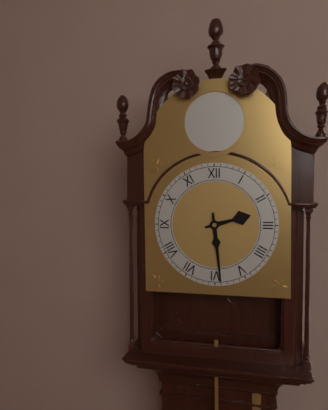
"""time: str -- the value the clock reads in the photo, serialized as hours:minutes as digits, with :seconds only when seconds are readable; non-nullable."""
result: 2:29
